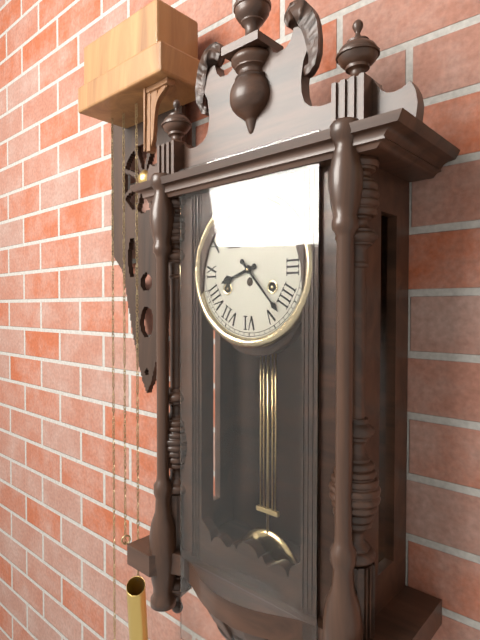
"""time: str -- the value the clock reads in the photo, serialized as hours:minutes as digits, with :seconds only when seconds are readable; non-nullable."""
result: 8:23
